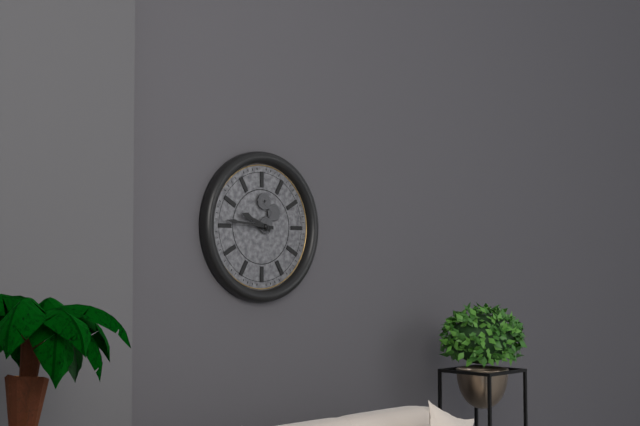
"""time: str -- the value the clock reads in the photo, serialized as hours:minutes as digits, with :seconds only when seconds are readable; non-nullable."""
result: 9:46
